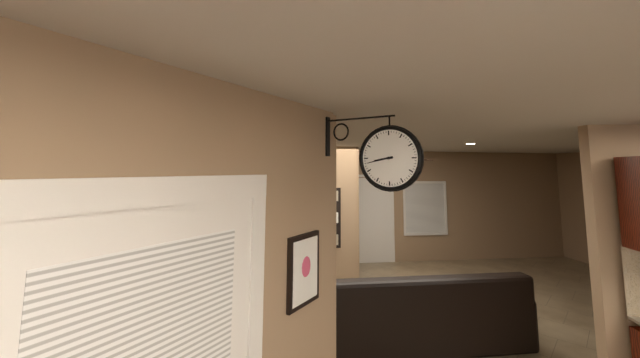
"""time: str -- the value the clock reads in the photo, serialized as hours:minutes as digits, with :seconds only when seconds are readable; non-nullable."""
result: 8:43
